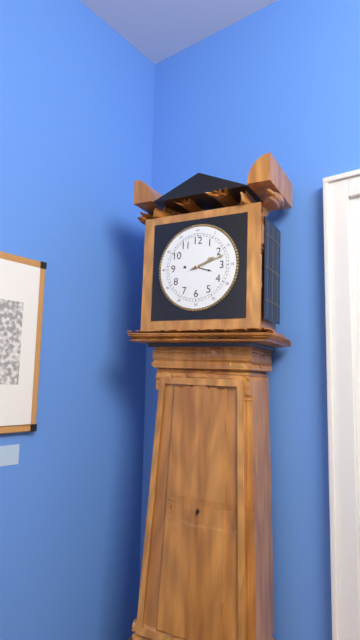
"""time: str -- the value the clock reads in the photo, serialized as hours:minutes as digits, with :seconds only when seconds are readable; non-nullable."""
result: 2:12
